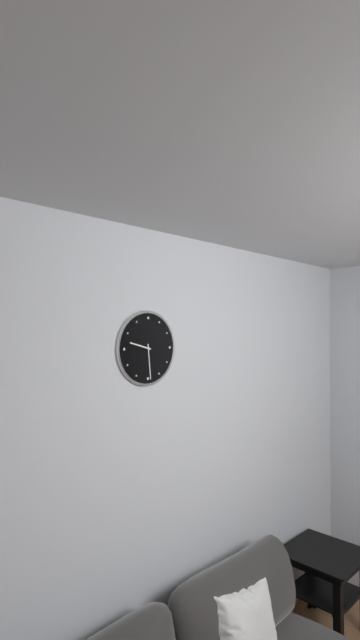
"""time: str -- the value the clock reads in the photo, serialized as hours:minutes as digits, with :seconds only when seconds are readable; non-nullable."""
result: 9:29
